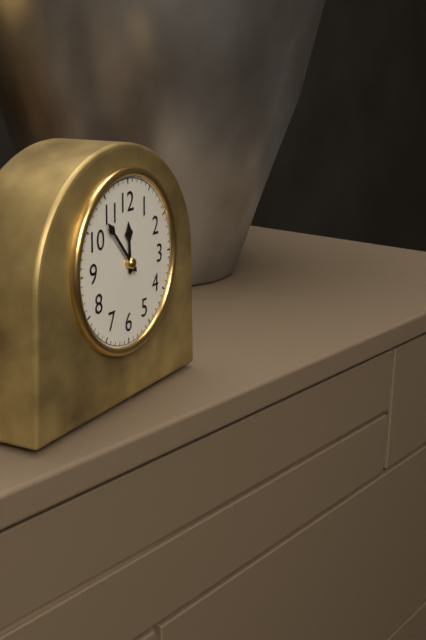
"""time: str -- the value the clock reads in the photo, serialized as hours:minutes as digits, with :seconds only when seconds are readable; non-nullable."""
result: 11:53
